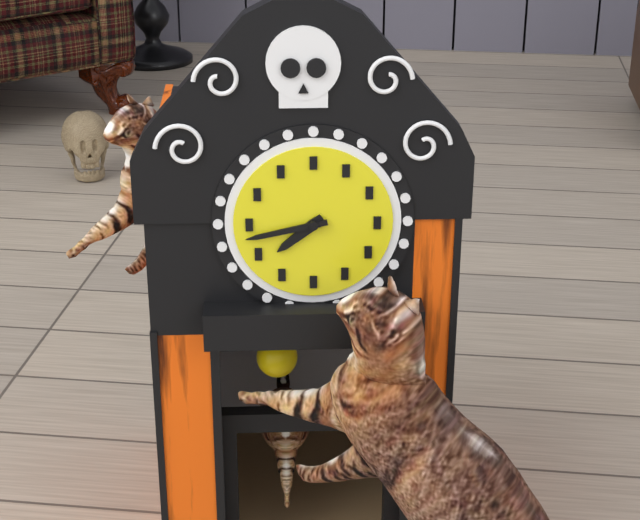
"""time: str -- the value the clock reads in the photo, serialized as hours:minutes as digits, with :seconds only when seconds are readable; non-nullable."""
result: 7:43
